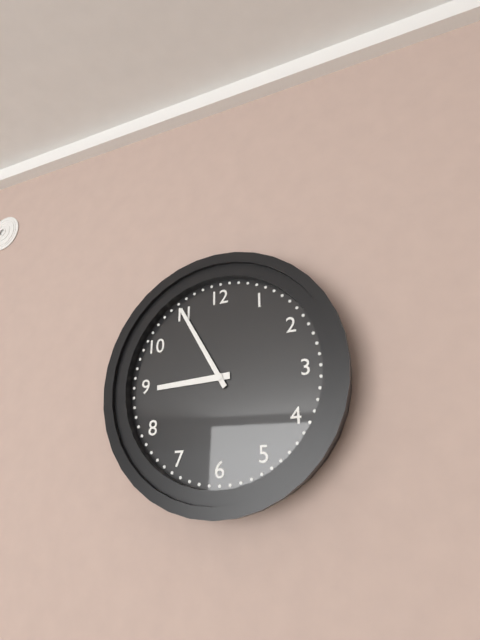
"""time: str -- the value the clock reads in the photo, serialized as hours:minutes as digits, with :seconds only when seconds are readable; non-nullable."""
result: 8:55
